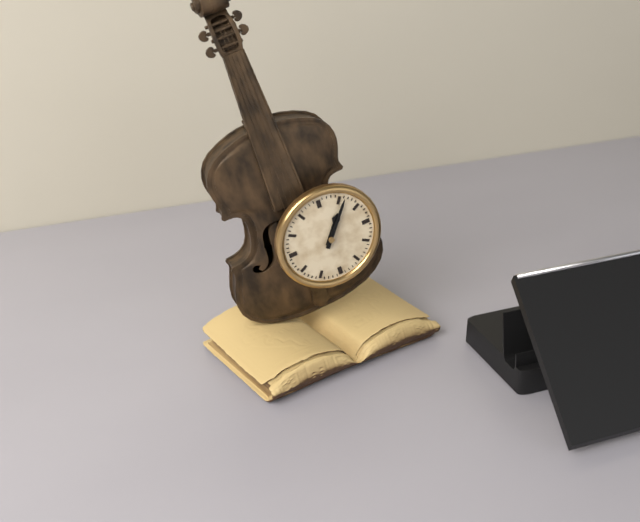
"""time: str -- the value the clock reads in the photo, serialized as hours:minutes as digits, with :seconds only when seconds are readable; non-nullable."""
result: 1:06
